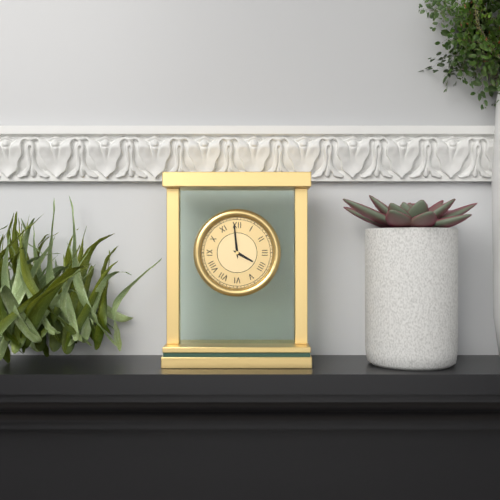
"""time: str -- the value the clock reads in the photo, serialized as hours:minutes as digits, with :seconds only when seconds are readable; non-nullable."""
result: 3:59
